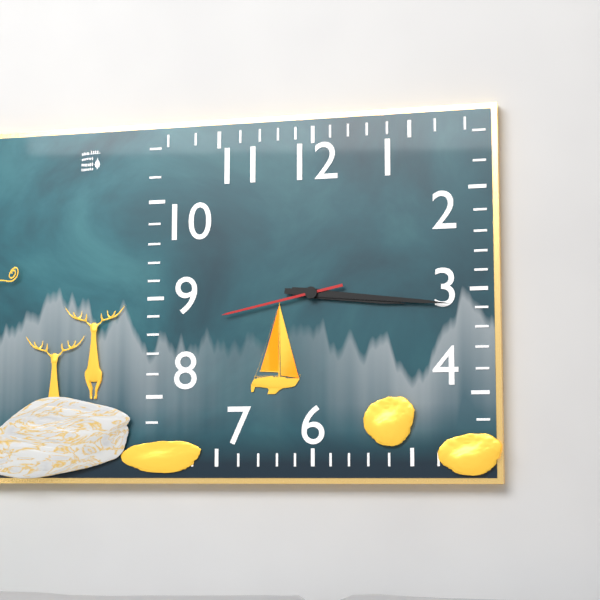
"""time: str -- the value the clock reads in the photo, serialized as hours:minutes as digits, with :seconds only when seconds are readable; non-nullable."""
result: 3:16:43
